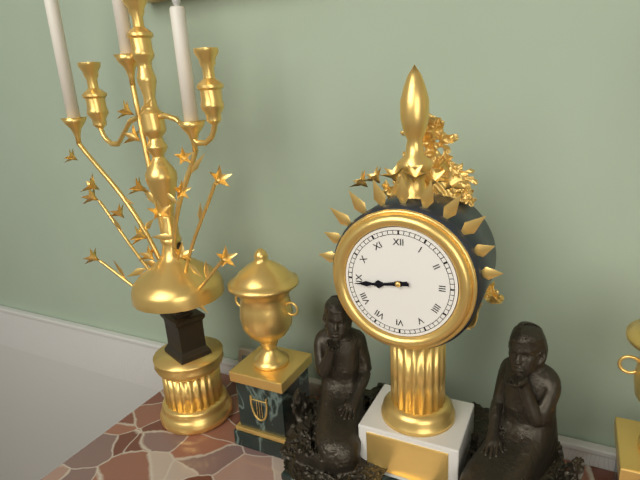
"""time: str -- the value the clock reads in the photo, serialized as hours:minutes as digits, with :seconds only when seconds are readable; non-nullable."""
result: 8:44
